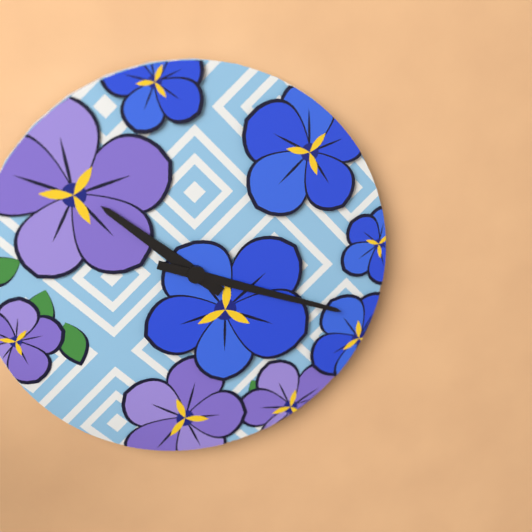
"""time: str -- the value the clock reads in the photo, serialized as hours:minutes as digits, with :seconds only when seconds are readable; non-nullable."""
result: 10:18
